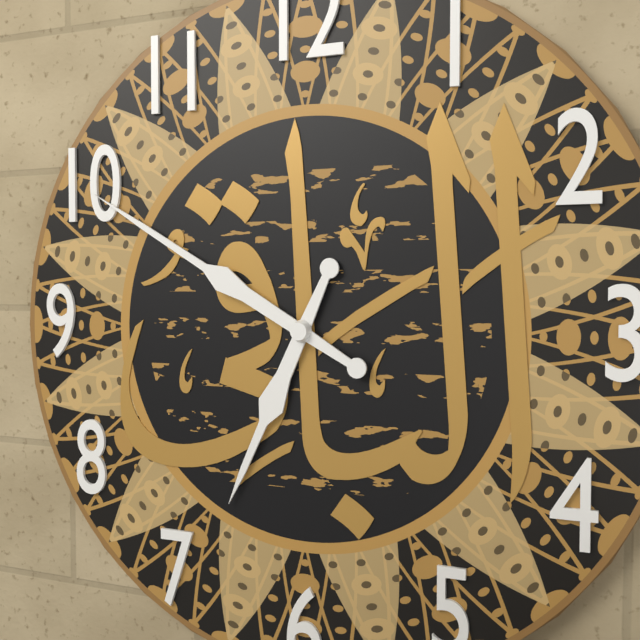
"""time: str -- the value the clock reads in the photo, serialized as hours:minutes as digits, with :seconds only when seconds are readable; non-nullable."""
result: 6:50
